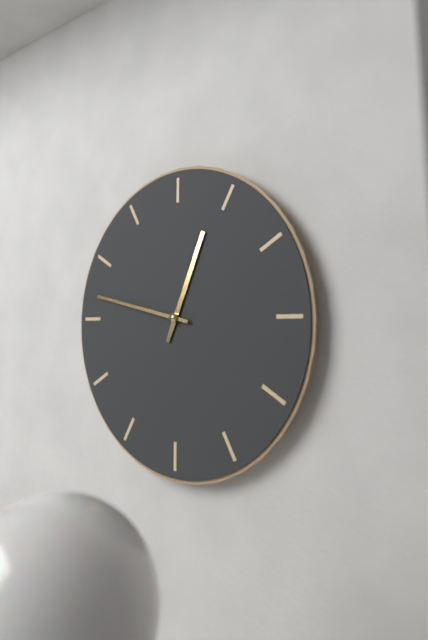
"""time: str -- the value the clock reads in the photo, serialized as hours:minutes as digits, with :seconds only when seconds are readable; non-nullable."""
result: 12:47
